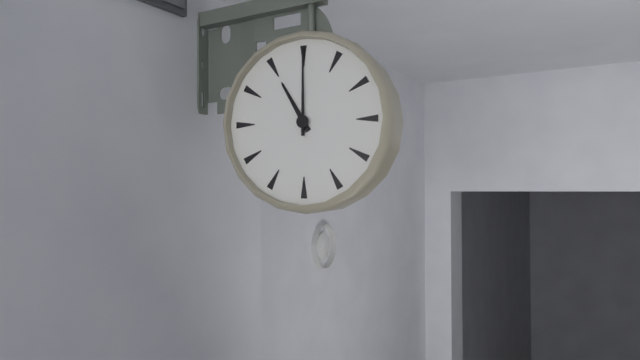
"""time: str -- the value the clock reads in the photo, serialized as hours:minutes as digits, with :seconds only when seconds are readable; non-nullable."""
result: 11:00
